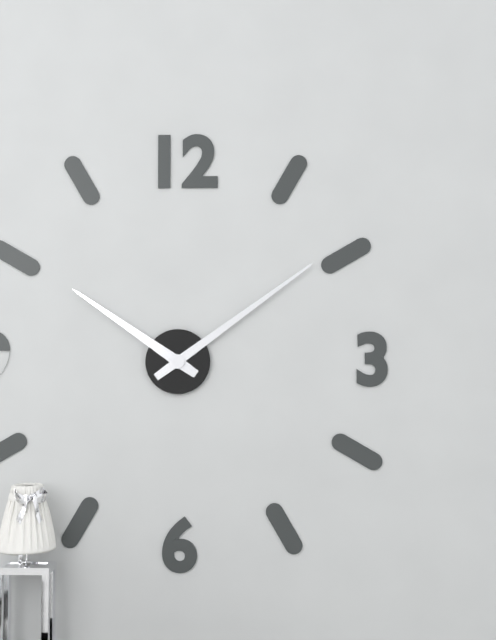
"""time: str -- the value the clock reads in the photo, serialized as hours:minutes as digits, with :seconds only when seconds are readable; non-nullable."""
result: 10:09
